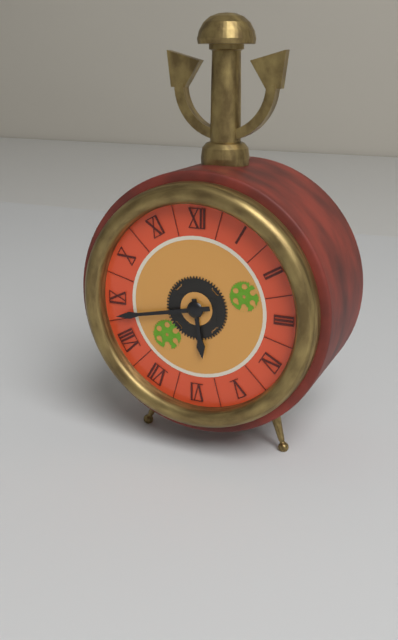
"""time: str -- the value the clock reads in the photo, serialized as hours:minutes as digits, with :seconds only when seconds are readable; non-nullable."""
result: 5:43
